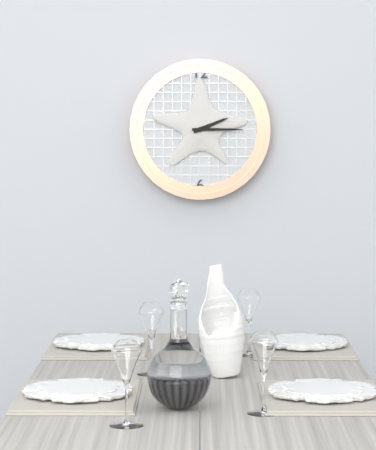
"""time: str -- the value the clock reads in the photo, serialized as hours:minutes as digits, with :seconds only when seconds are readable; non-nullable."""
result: 2:15
